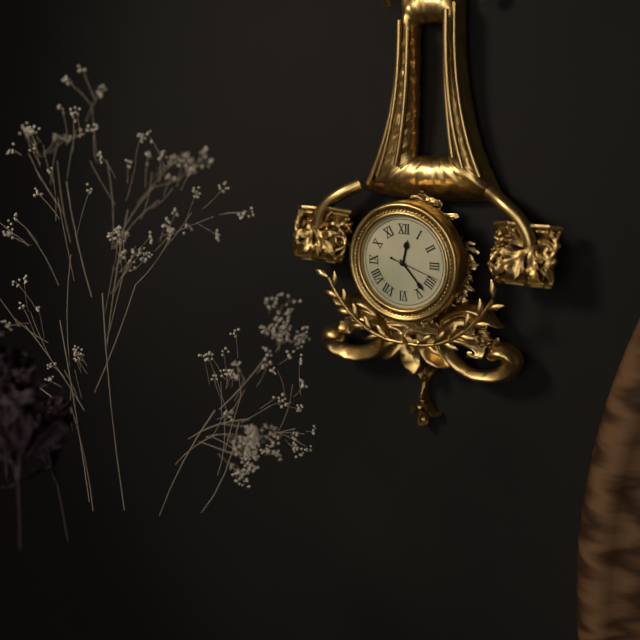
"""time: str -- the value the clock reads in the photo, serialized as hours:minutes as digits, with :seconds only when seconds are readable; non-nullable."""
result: 12:23
